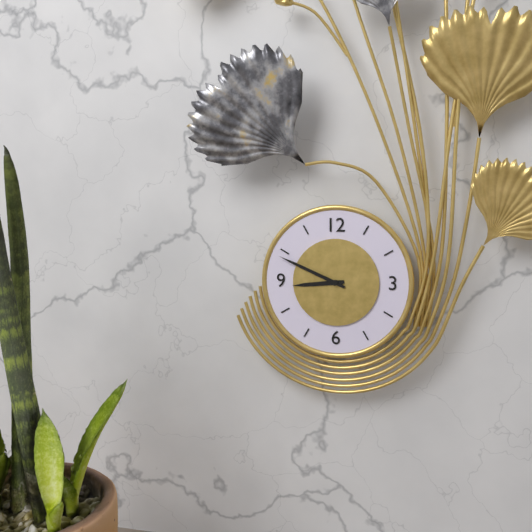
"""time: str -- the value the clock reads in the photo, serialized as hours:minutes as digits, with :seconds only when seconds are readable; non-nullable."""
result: 8:49
